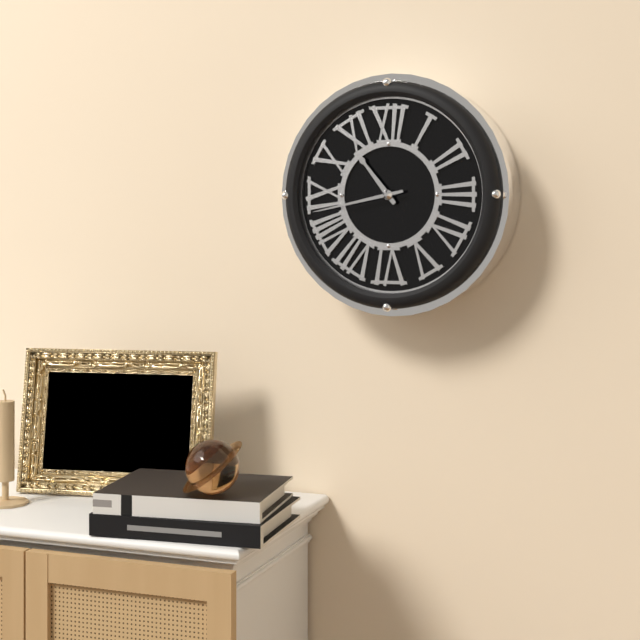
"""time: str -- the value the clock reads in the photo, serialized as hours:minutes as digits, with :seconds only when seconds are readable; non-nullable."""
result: 10:43
